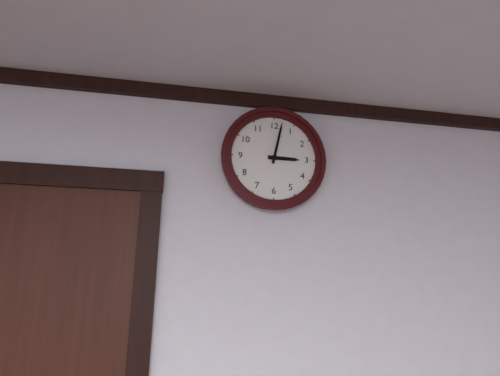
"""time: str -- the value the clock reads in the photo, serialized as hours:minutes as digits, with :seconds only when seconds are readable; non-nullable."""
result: 3:02
